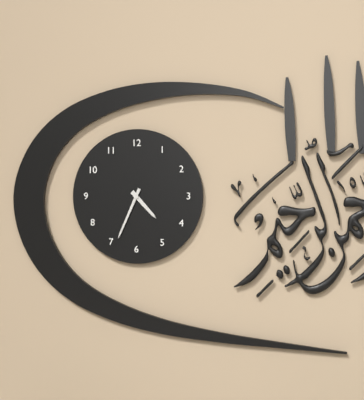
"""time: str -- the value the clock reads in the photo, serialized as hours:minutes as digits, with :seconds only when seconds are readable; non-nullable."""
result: 4:34
